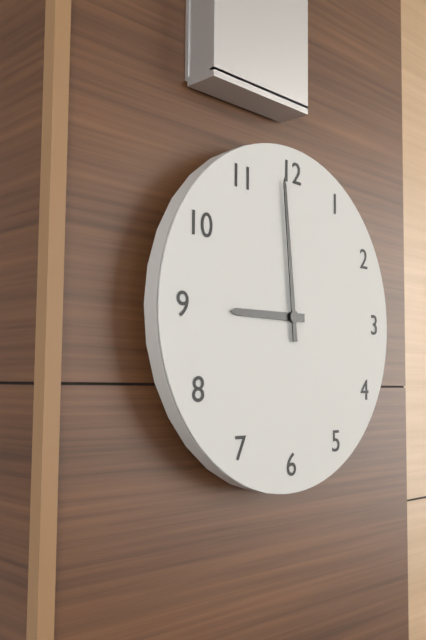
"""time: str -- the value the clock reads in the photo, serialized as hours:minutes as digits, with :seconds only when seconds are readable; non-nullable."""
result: 8:59
